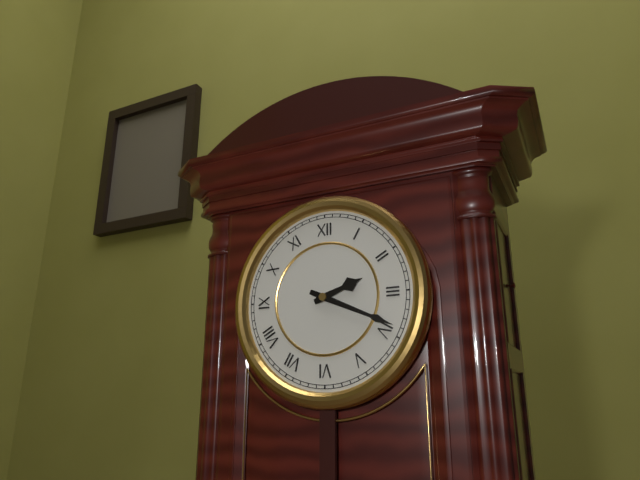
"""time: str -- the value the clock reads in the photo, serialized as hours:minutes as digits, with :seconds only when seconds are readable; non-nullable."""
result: 2:19
